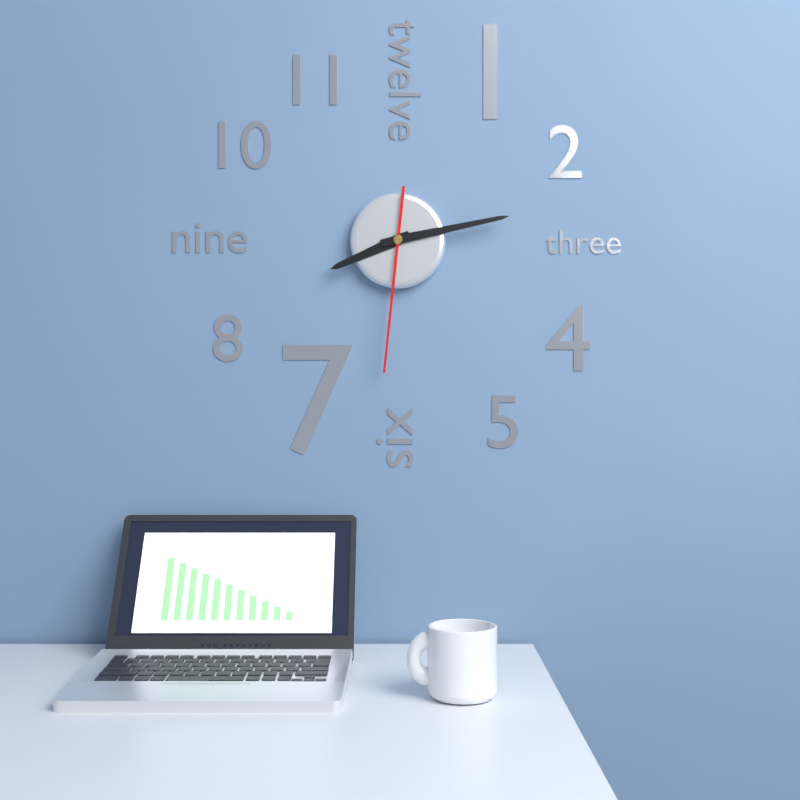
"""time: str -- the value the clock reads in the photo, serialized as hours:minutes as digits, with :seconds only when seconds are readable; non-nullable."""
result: 8:13:31
